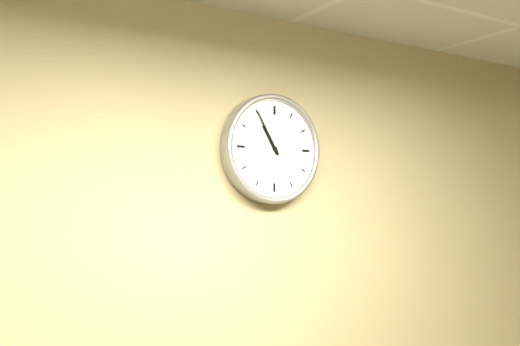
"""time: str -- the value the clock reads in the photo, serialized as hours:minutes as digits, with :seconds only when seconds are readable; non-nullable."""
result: 10:55
